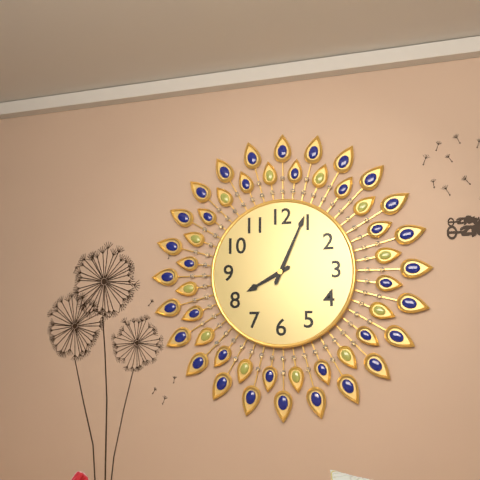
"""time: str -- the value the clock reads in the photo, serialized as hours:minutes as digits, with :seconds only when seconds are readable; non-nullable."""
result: 8:04
